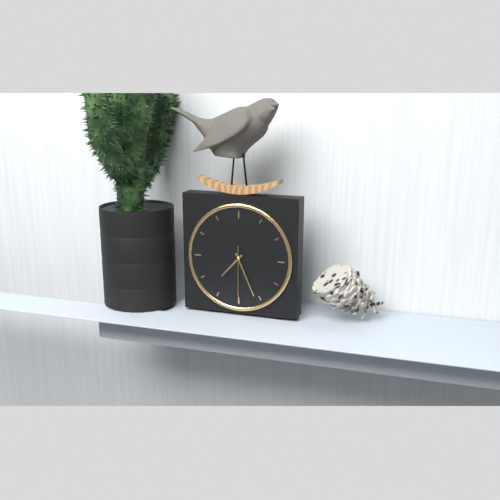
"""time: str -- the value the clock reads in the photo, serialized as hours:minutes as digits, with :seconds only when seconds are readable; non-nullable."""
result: 7:26:30
